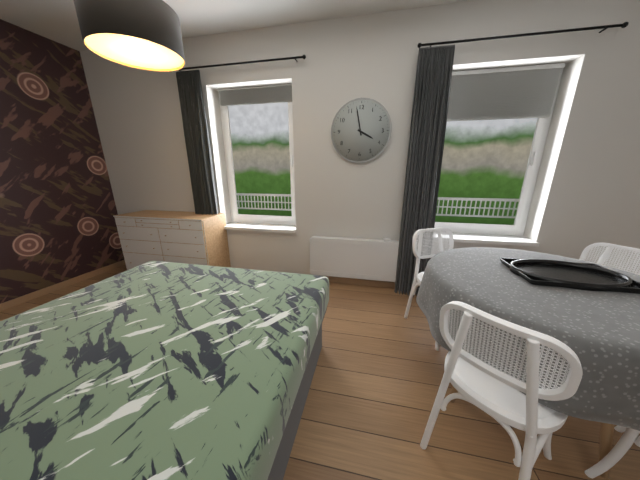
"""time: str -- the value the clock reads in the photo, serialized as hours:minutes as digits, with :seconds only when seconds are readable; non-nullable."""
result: 3:58
